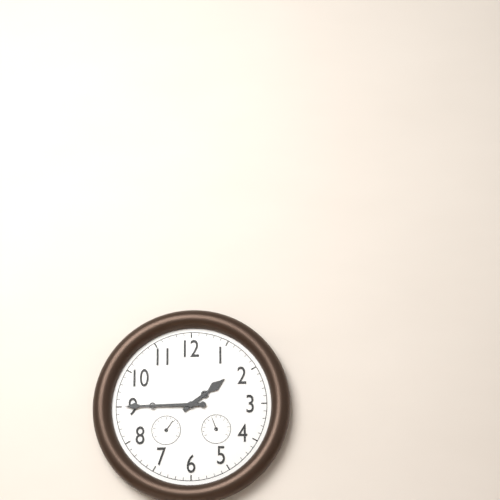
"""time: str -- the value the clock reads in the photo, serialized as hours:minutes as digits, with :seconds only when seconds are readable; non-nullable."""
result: 1:45
